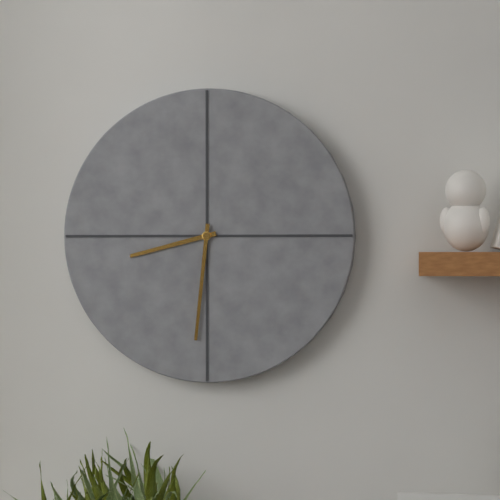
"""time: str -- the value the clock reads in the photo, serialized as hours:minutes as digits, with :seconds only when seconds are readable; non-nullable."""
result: 8:31
